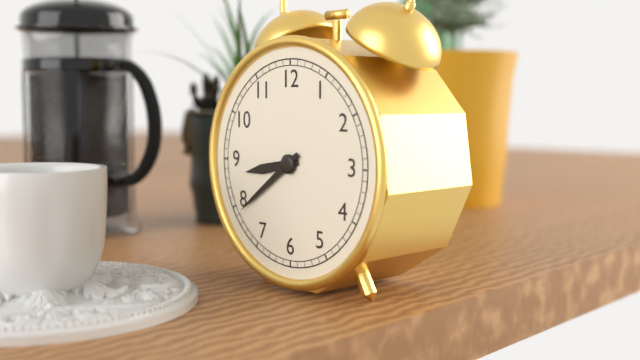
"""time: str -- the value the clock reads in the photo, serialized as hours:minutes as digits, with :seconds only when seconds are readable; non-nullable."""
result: 8:39
